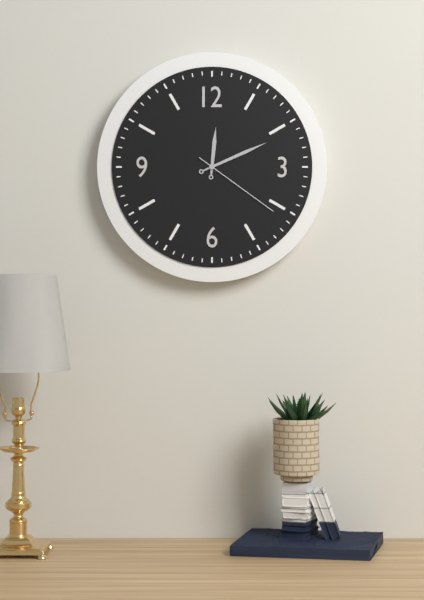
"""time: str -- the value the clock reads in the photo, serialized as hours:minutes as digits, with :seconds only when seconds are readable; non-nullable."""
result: 12:11:21
